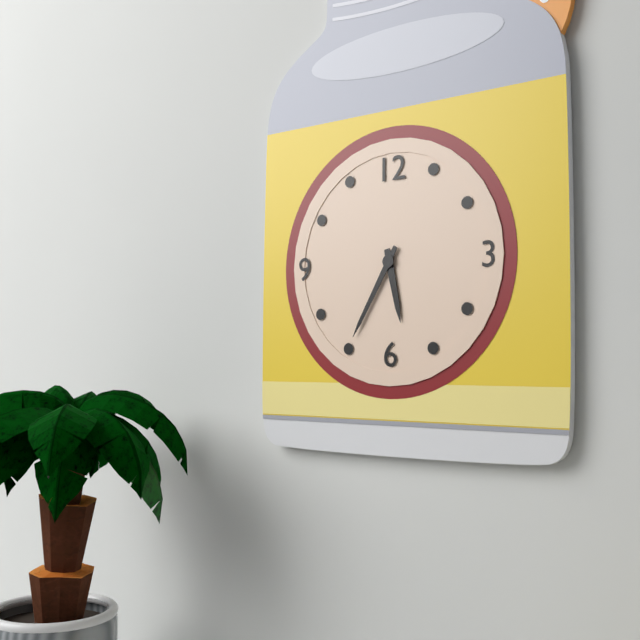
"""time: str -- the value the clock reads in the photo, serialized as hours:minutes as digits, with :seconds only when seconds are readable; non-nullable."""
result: 5:35
